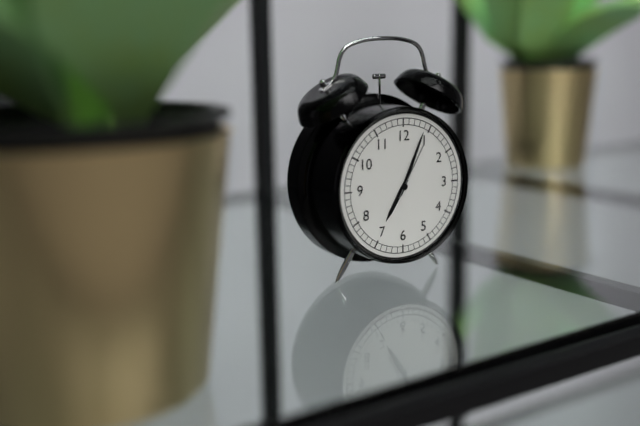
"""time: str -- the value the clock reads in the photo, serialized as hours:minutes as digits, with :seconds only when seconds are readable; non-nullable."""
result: 7:04:05
